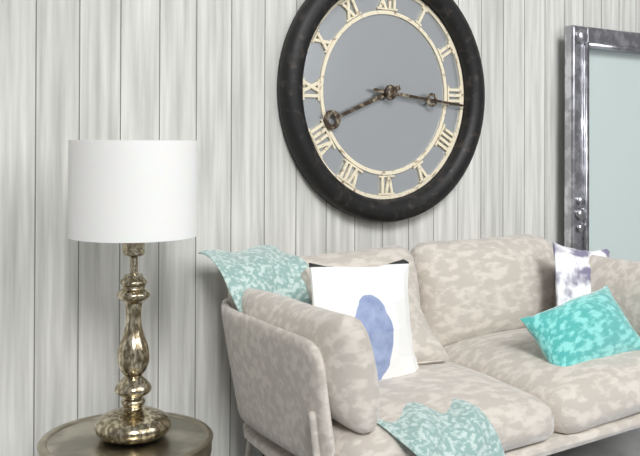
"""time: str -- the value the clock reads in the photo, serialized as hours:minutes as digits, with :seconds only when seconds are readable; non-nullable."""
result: 8:16
